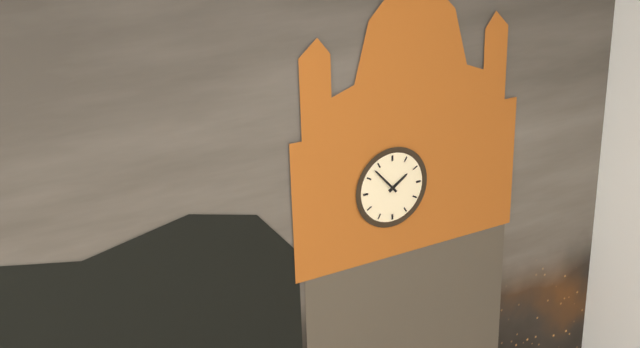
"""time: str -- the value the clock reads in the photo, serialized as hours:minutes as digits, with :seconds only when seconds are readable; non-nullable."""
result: 1:53
